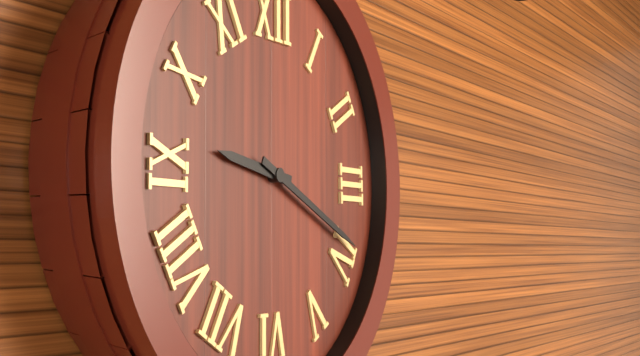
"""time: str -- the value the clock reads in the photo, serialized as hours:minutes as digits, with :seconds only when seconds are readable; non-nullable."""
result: 9:19
